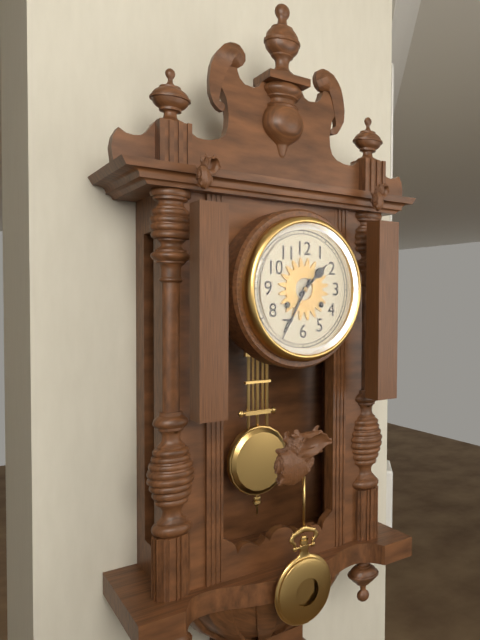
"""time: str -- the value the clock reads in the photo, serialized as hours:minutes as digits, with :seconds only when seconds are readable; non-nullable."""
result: 1:35
